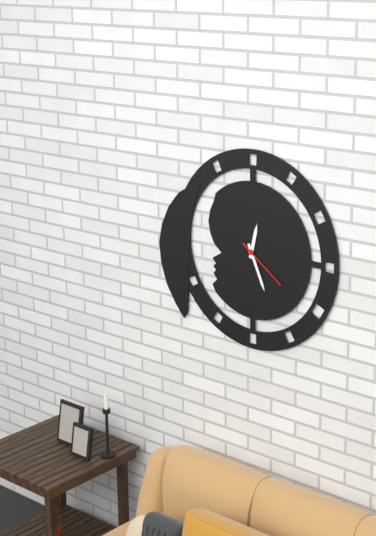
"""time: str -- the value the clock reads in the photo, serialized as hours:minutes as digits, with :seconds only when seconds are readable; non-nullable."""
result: 12:26:21
